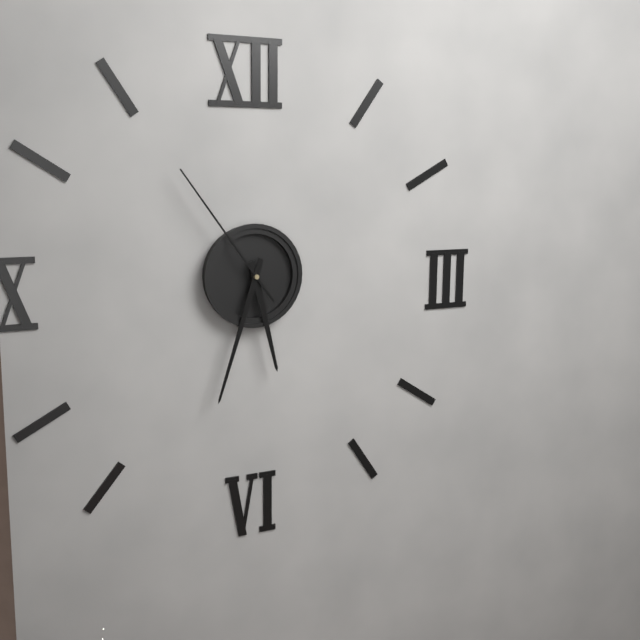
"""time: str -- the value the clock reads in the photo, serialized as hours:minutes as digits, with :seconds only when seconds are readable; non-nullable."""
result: 5:33:54
